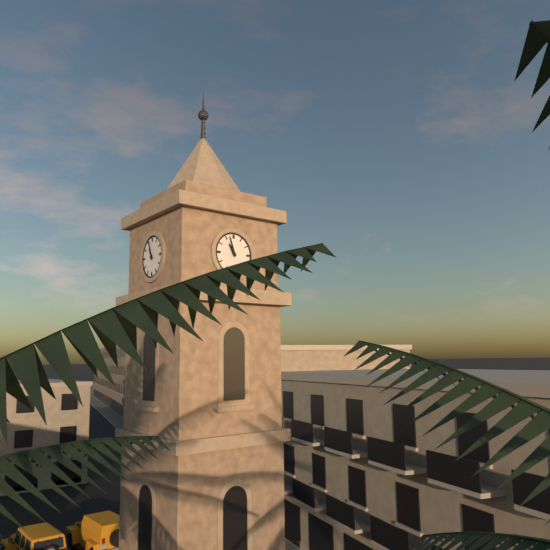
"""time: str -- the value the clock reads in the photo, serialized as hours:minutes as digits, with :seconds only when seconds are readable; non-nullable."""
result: 10:57
